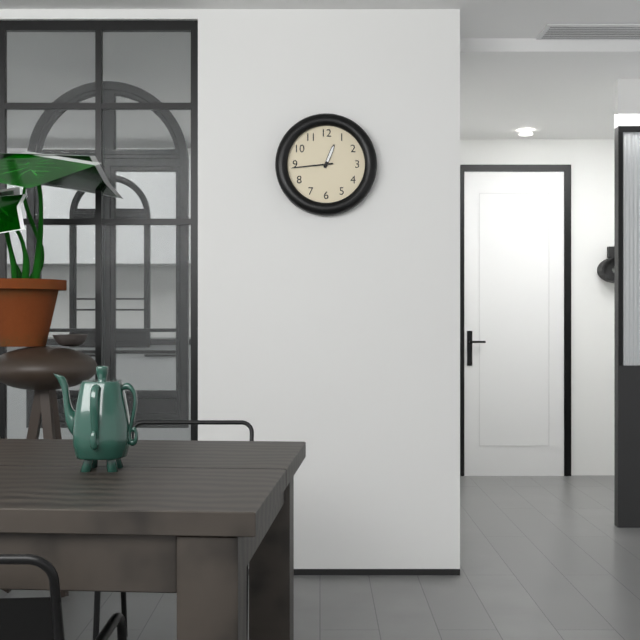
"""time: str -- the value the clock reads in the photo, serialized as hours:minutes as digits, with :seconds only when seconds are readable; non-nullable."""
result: 12:44
